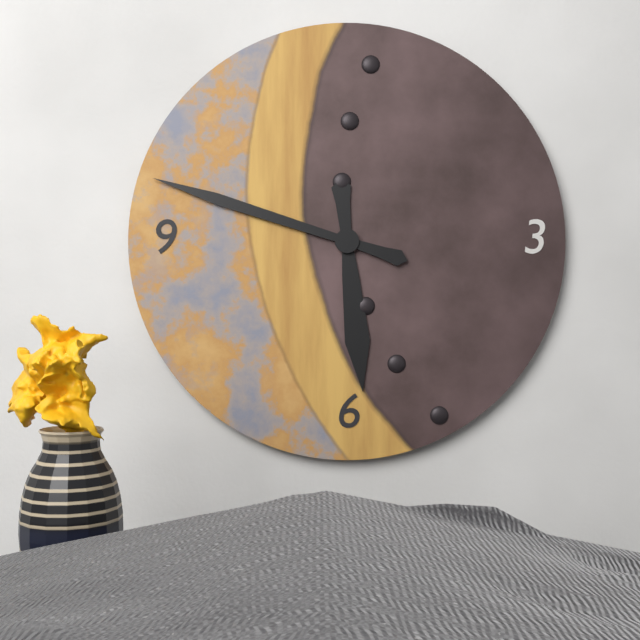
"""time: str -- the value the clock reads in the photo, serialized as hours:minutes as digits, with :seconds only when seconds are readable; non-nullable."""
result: 5:48
